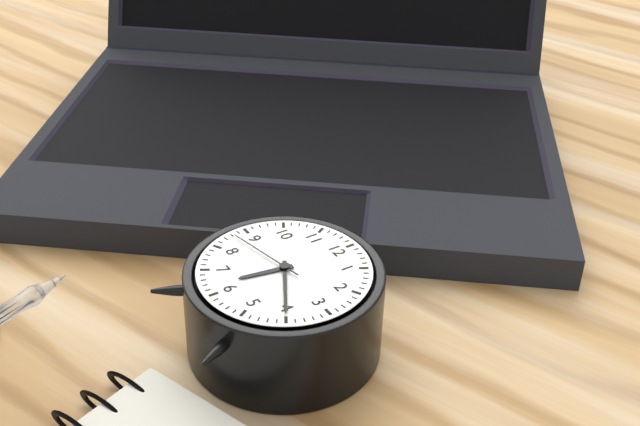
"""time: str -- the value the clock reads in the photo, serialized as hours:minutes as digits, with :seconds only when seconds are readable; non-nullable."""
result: 6:20:43
